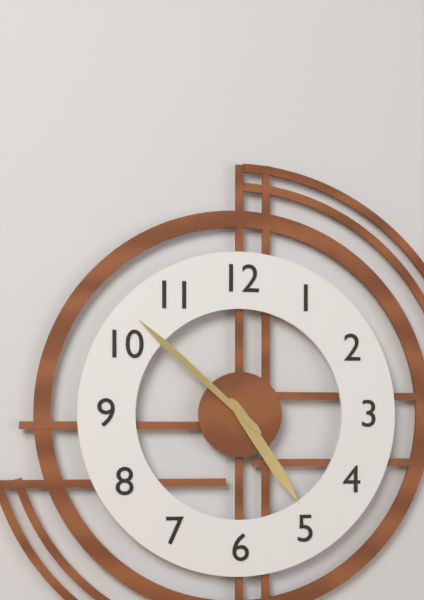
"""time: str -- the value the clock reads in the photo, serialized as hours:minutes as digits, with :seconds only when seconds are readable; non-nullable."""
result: 4:52
